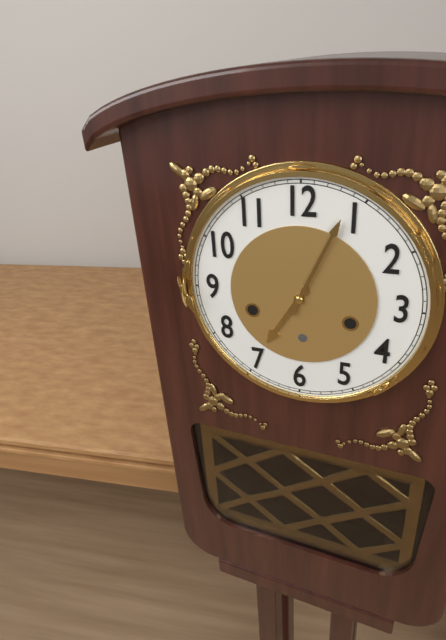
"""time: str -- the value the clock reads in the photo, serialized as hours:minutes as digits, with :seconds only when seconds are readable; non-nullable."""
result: 7:04
